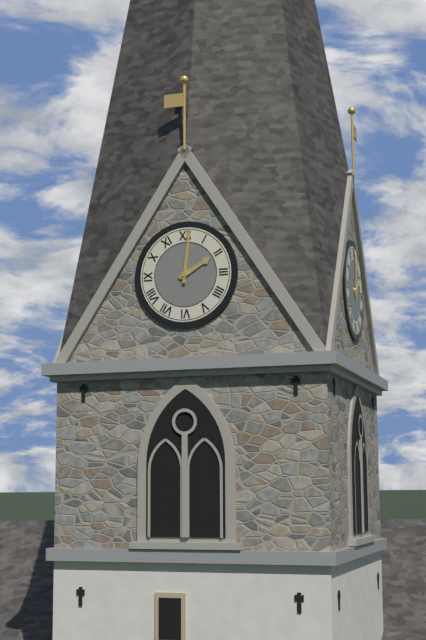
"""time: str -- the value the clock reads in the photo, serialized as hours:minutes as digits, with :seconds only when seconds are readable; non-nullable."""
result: 2:01
